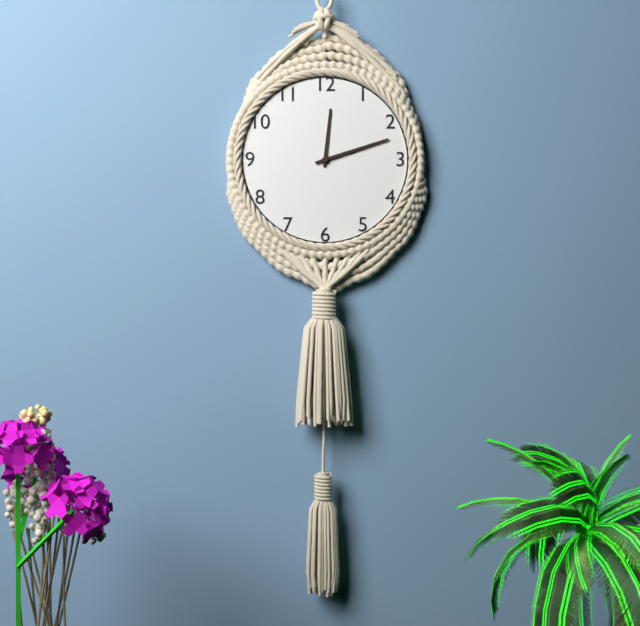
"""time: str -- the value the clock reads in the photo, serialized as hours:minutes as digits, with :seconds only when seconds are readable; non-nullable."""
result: 12:12
